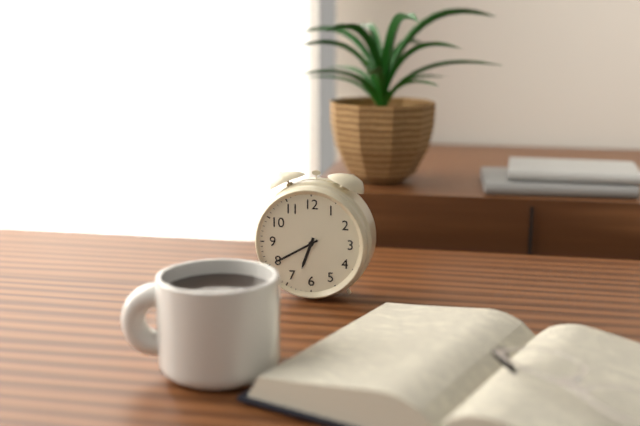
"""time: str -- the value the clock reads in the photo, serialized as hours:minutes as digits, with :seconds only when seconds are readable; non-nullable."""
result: 6:40
